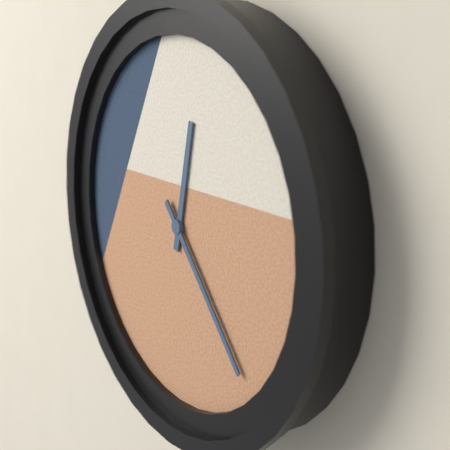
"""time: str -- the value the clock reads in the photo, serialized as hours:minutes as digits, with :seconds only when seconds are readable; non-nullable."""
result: 12:23
